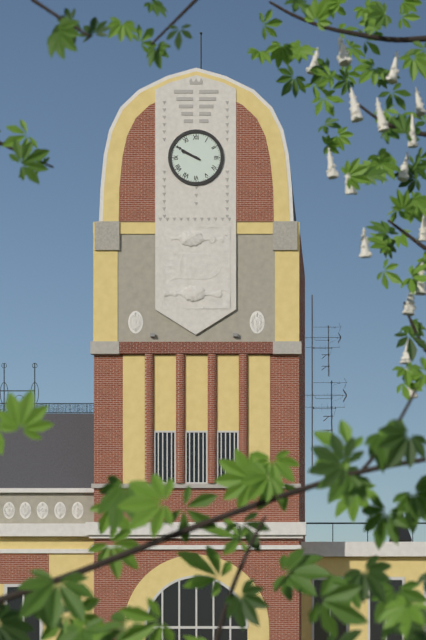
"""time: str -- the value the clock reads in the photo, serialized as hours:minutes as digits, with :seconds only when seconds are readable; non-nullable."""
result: 9:50
